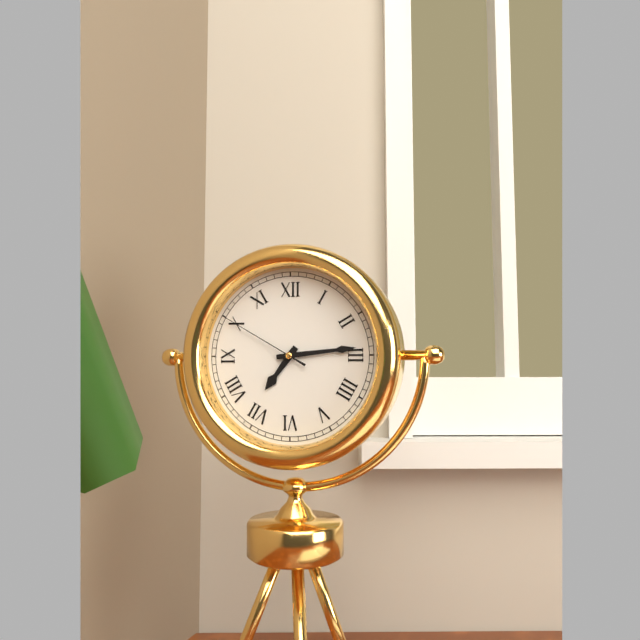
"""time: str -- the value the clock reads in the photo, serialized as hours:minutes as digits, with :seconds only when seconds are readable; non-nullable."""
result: 7:14:50
